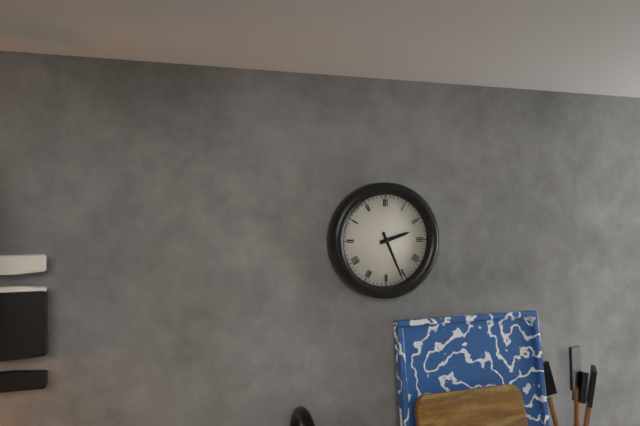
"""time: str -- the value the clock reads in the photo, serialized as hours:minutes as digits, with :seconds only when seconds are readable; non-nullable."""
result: 2:26
